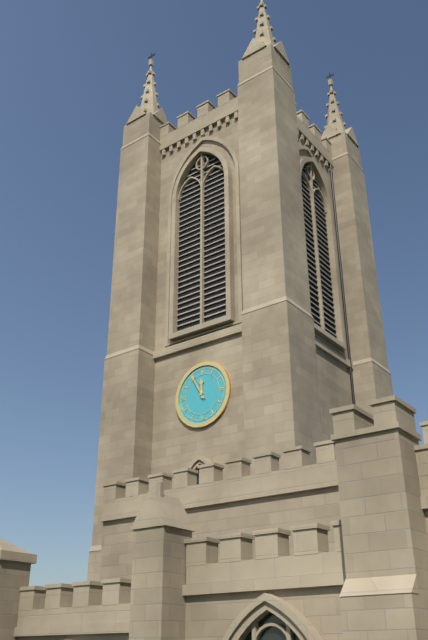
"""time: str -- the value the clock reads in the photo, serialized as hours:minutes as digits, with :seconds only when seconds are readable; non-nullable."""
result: 11:55
